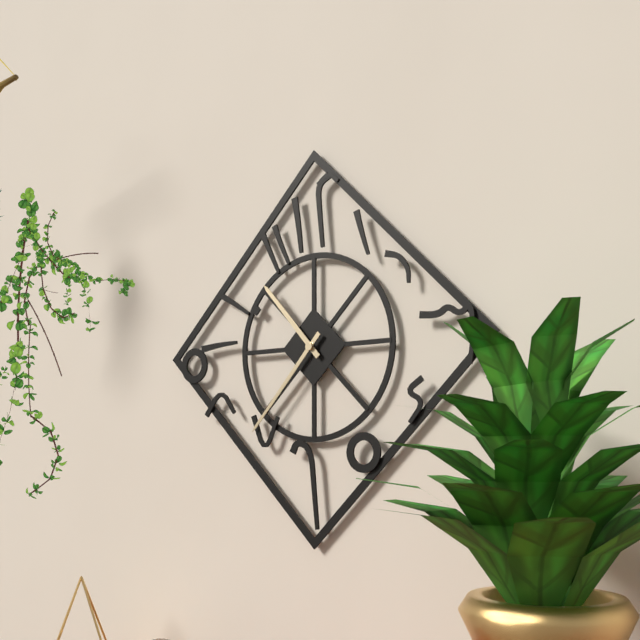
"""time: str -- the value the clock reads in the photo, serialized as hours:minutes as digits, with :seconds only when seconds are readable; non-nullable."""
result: 10:37
